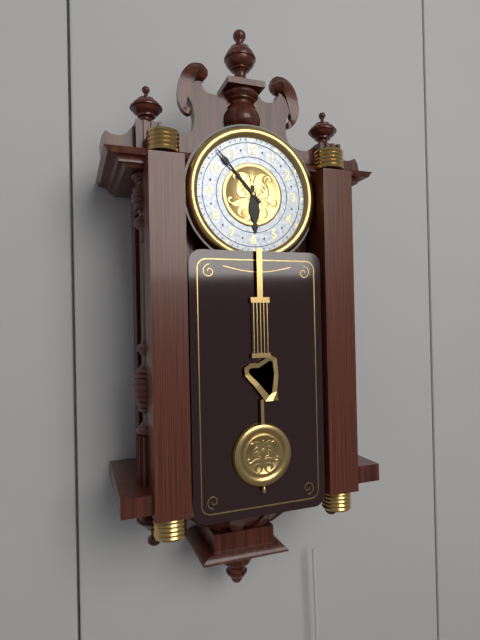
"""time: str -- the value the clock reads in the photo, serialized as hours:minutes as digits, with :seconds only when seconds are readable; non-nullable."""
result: 5:53
